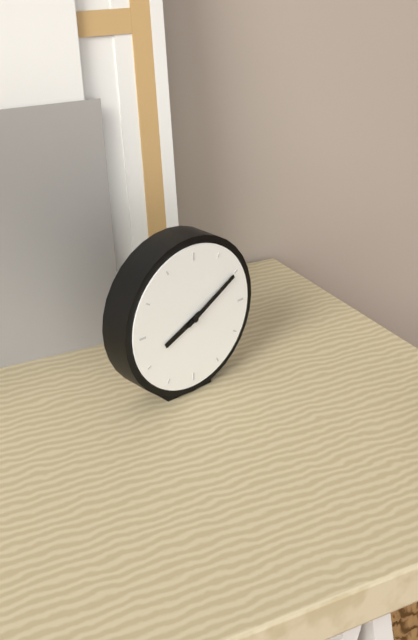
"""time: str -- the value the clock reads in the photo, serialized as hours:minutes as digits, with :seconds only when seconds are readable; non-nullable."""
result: 8:10
